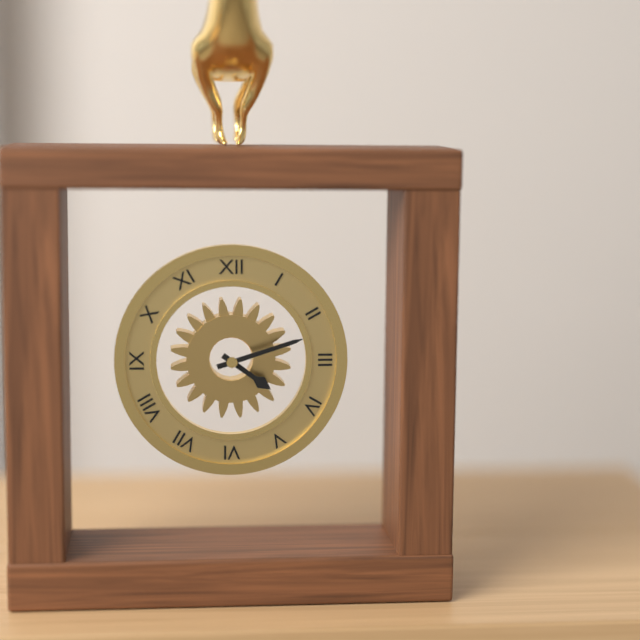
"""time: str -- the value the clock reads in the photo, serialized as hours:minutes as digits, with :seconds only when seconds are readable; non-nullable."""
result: 4:12
